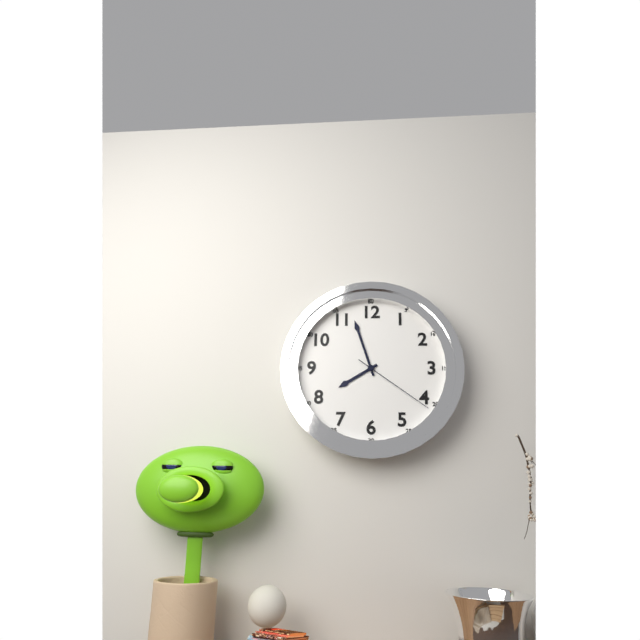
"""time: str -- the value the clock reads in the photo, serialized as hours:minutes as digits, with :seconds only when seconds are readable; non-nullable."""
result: 7:57:21
